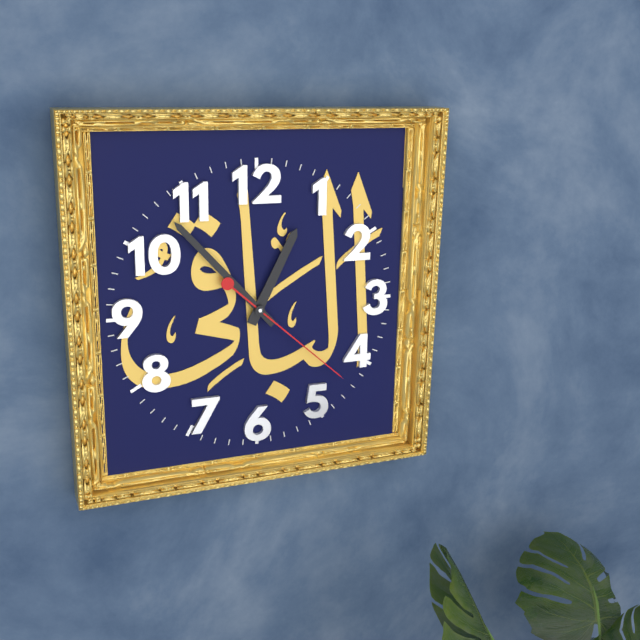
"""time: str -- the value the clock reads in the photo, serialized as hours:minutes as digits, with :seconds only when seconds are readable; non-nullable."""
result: 12:53:22
